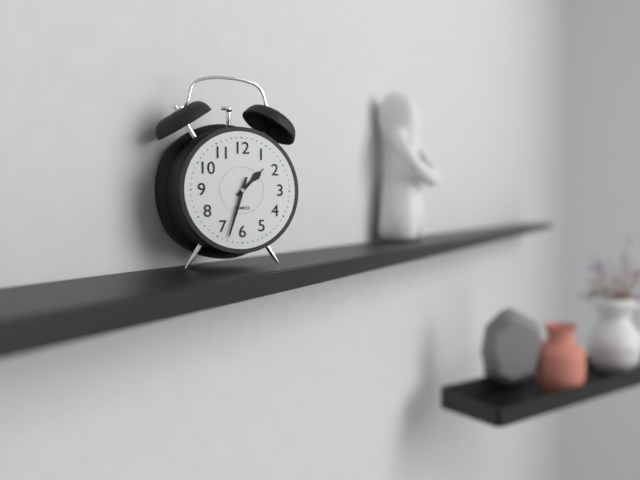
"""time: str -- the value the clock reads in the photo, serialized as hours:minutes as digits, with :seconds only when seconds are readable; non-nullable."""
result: 1:33
